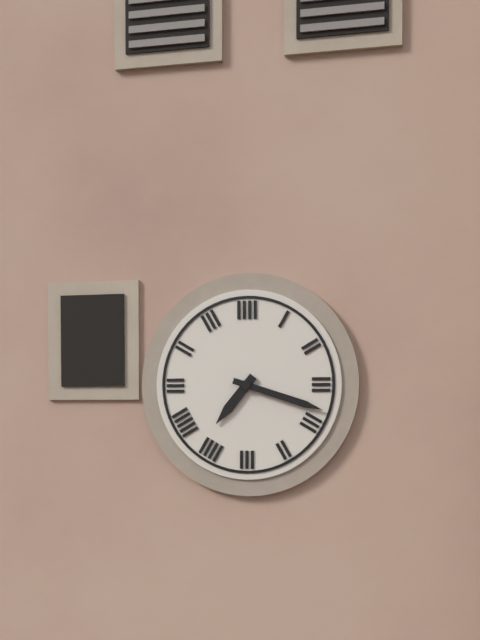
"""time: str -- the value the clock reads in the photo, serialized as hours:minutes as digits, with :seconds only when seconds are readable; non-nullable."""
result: 7:18
